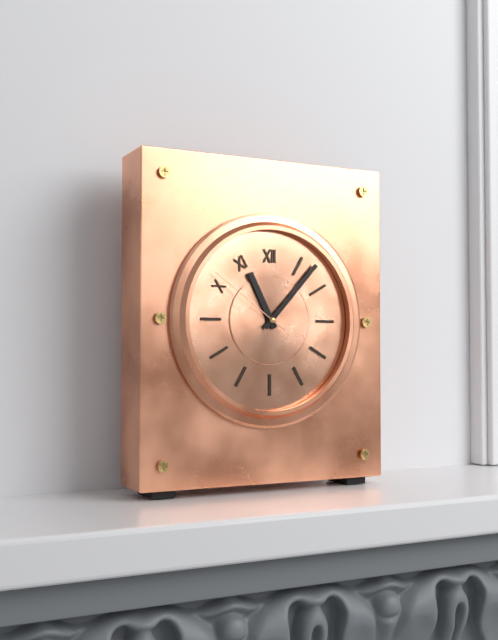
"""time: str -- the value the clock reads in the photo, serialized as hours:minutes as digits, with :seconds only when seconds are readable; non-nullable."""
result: 11:07:51
